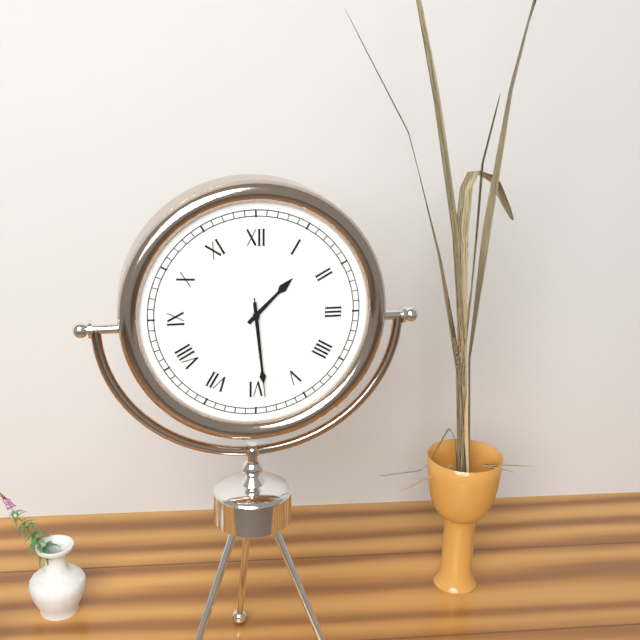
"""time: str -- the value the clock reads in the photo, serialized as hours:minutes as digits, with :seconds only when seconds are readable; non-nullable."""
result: 1:29:29
